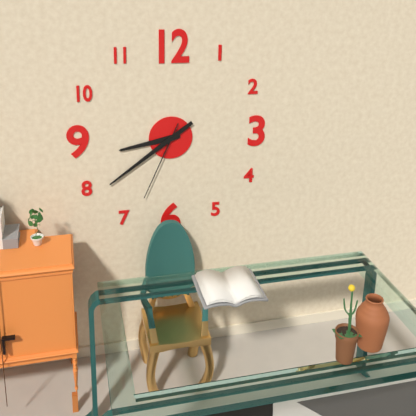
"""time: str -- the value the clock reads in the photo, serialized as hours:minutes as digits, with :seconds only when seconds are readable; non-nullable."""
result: 8:39:34
